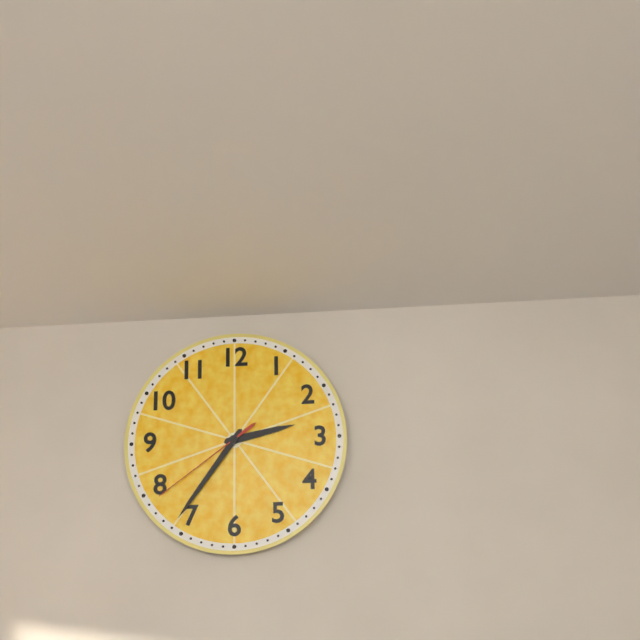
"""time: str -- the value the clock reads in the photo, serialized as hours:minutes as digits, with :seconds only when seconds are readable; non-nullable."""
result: 2:36:39
